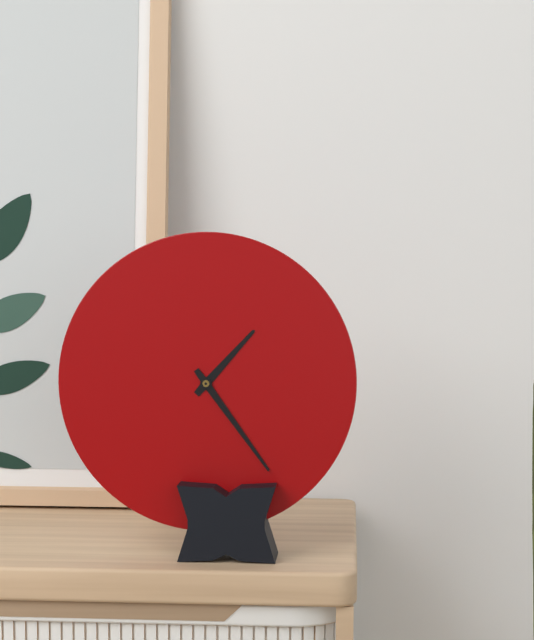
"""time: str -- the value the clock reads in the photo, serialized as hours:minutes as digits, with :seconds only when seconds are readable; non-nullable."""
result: 1:24
